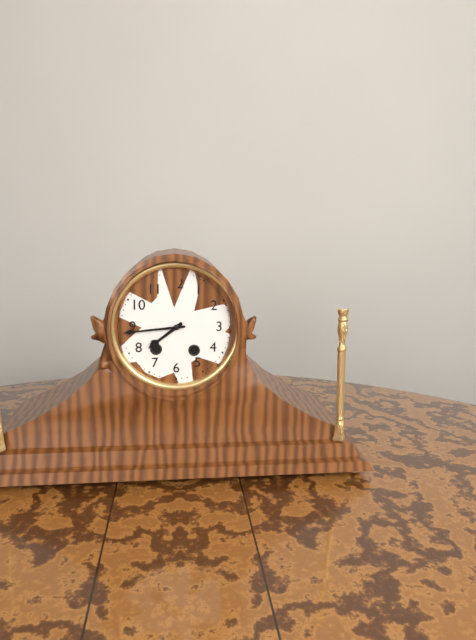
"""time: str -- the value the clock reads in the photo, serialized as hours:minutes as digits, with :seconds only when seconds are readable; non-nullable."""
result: 7:44
